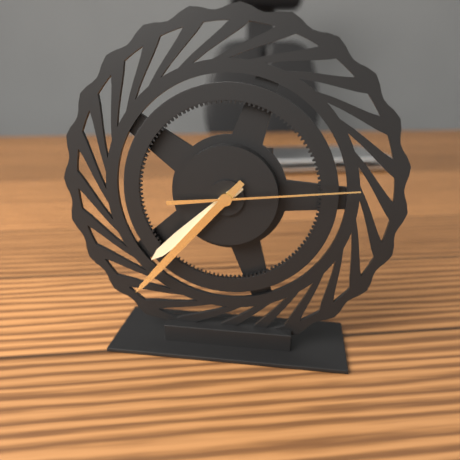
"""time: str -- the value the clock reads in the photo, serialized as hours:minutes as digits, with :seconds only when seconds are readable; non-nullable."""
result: 7:37:14
